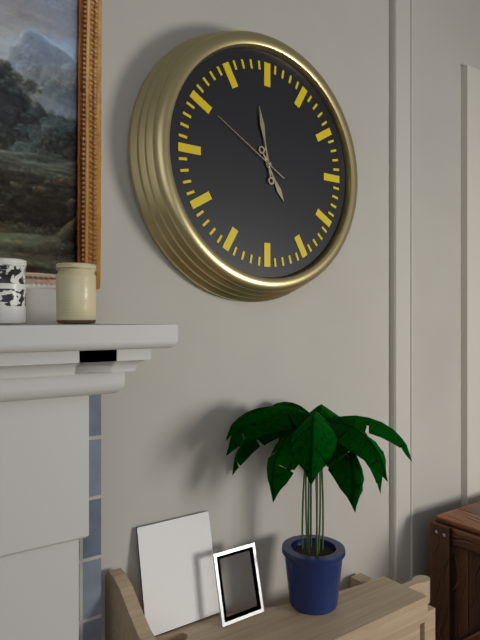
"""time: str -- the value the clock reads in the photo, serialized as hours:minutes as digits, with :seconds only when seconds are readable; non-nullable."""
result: 4:58:50
